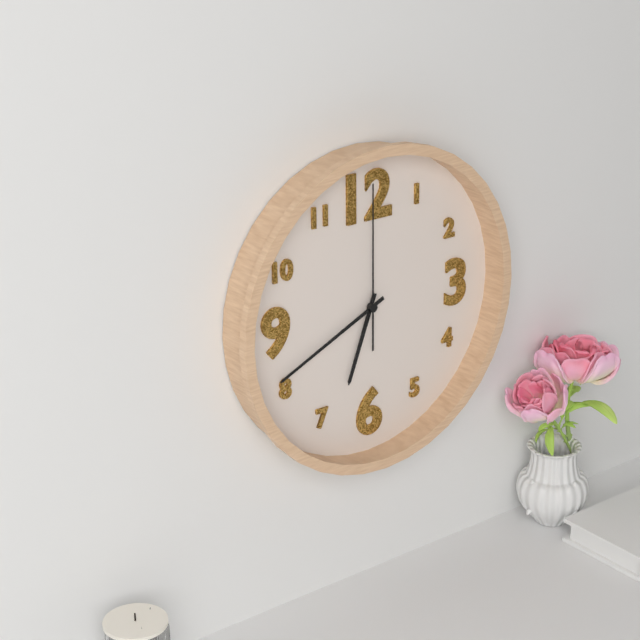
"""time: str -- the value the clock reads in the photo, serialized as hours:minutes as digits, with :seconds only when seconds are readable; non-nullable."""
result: 6:41:00
